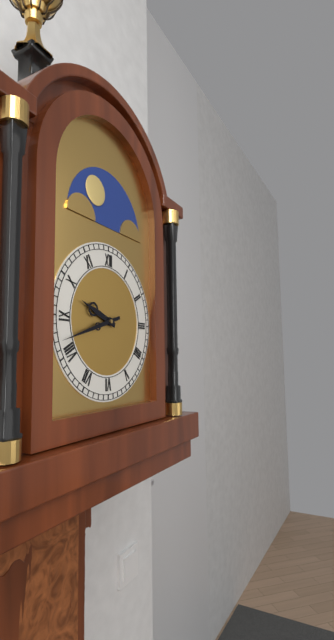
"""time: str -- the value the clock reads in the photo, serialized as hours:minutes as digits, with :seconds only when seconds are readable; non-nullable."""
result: 9:42
